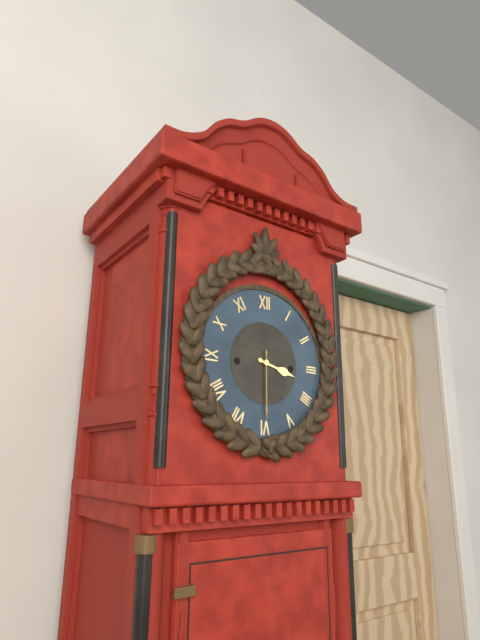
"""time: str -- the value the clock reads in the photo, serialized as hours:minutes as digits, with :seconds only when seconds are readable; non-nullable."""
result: 3:30
